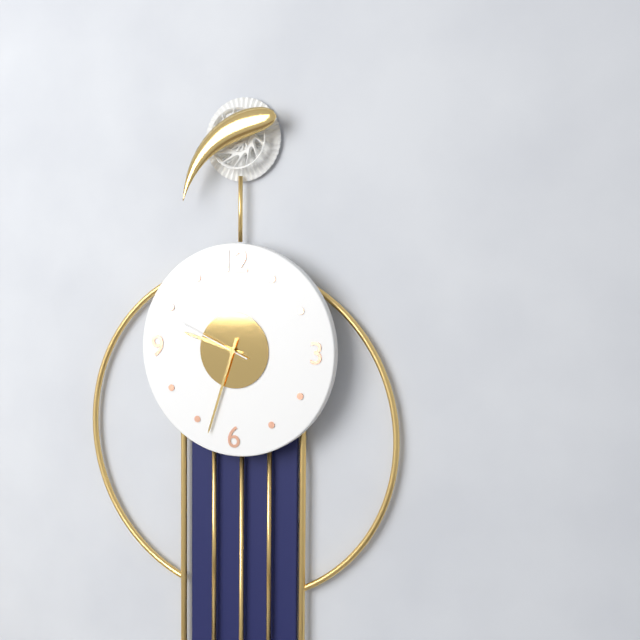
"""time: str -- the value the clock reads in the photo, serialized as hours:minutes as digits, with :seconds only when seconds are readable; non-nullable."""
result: 9:33:49
